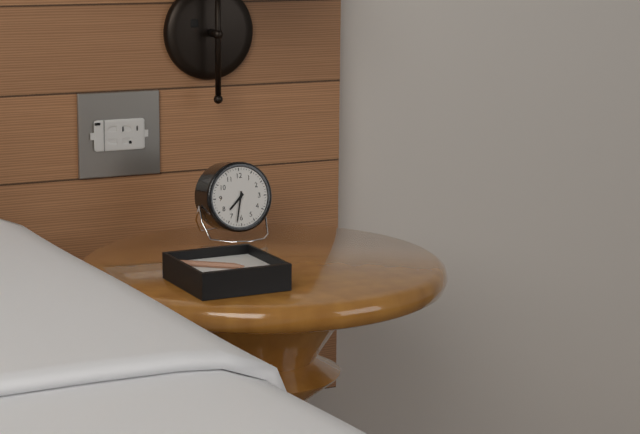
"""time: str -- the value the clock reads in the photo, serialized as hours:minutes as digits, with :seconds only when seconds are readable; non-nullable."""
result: 7:32
